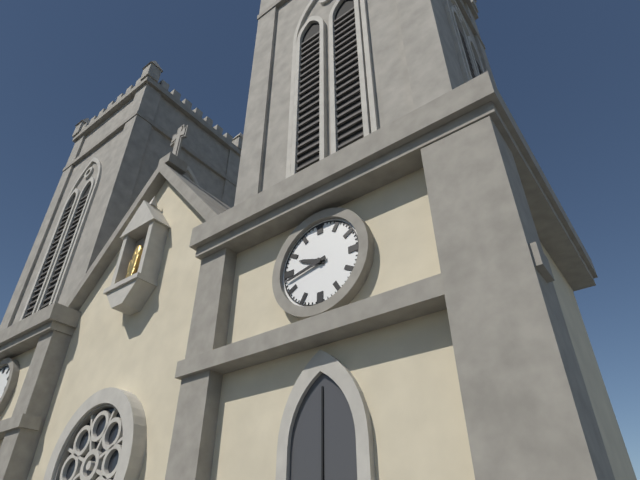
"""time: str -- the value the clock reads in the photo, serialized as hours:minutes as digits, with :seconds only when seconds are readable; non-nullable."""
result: 9:43
